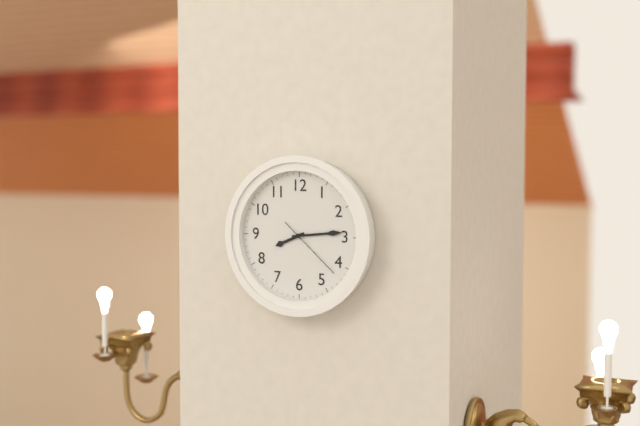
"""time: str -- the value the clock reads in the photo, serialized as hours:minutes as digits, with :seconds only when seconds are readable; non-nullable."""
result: 8:14:22
